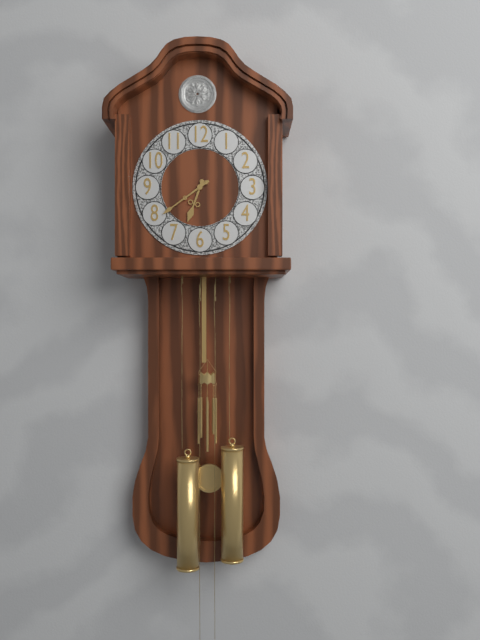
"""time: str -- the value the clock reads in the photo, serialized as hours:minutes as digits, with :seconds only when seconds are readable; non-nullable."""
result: 6:39
